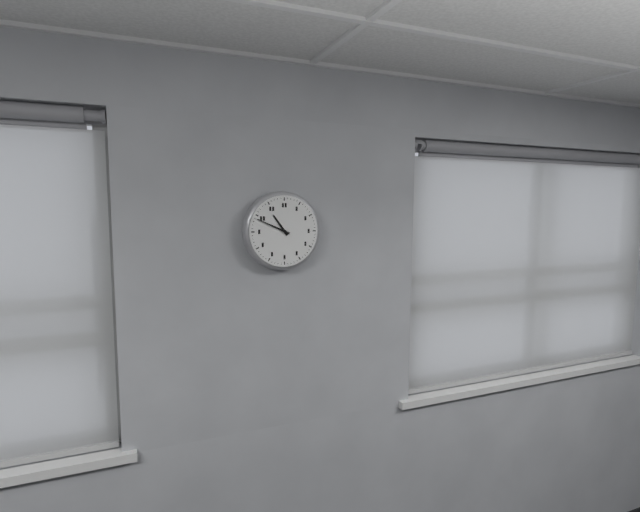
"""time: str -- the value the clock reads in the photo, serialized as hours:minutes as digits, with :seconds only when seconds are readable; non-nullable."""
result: 10:49
